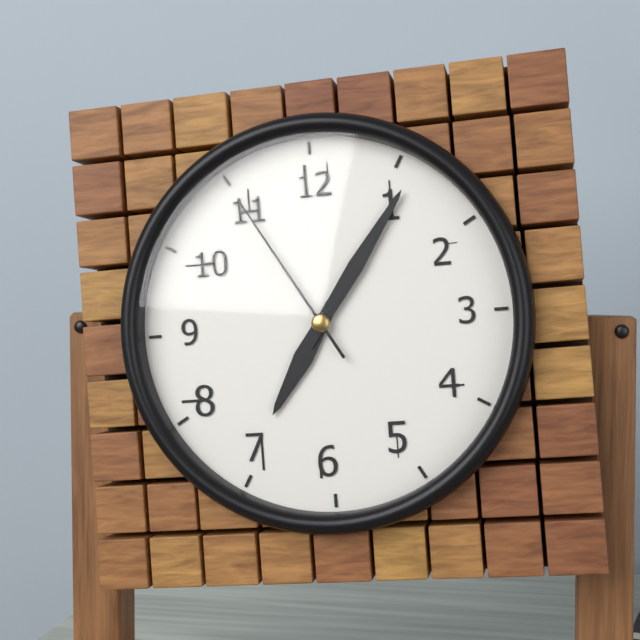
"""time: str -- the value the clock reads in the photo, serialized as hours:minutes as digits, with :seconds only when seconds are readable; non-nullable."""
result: 7:06:55
